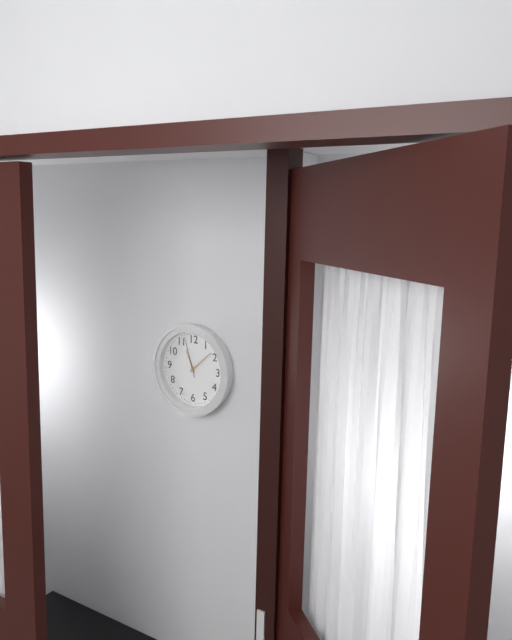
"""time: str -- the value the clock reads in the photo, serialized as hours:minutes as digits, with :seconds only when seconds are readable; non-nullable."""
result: 11:08
